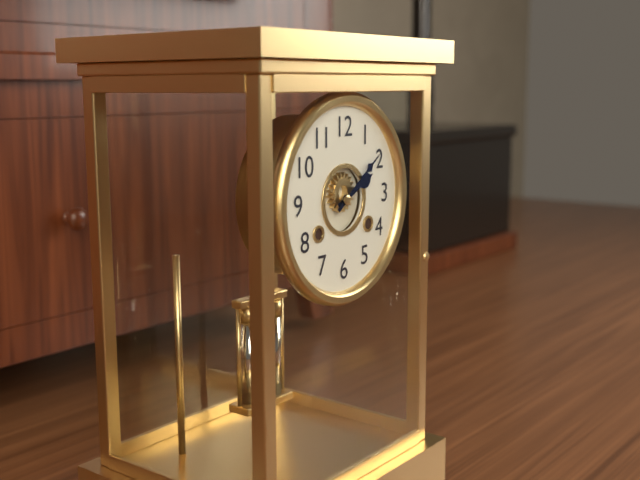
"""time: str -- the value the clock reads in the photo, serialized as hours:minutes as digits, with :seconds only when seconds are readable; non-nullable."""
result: 2:09
